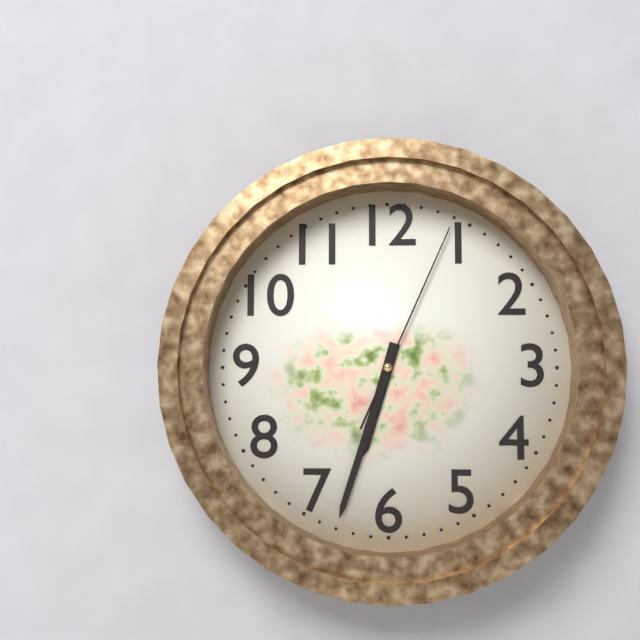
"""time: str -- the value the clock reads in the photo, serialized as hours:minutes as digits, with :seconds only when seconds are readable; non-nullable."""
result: 6:33:04
